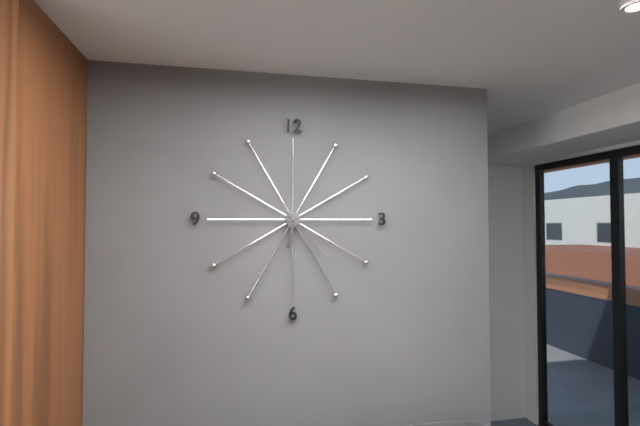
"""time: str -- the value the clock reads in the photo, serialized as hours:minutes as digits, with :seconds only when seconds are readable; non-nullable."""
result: 6:23
